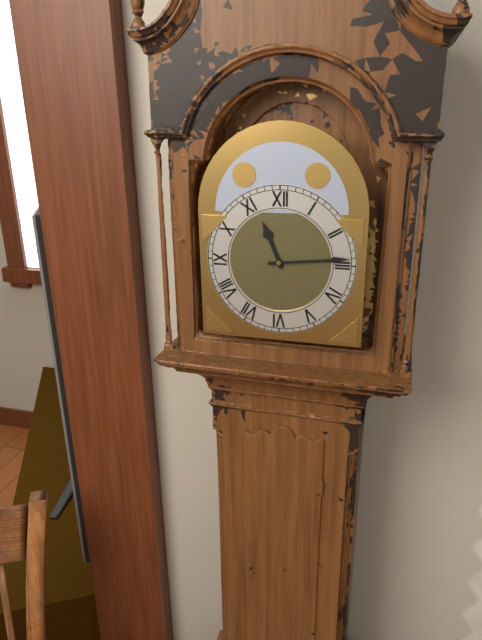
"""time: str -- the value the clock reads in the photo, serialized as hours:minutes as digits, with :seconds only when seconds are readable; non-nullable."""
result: 11:14
